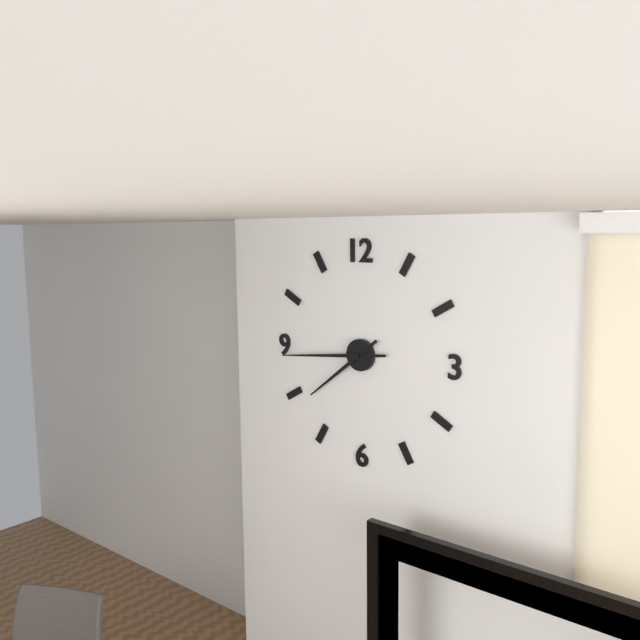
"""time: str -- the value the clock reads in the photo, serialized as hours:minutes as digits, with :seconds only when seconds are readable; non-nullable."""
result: 7:44
